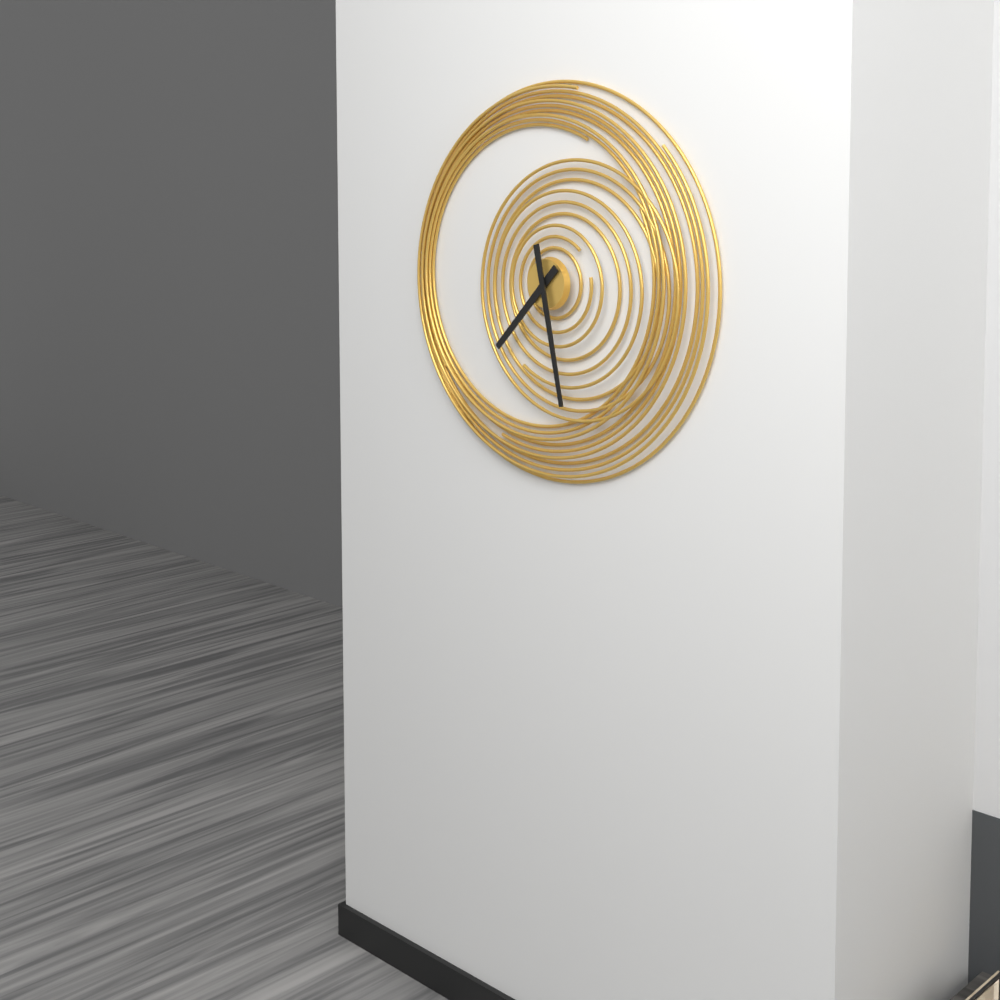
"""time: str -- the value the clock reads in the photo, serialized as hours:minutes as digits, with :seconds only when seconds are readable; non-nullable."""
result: 7:28
